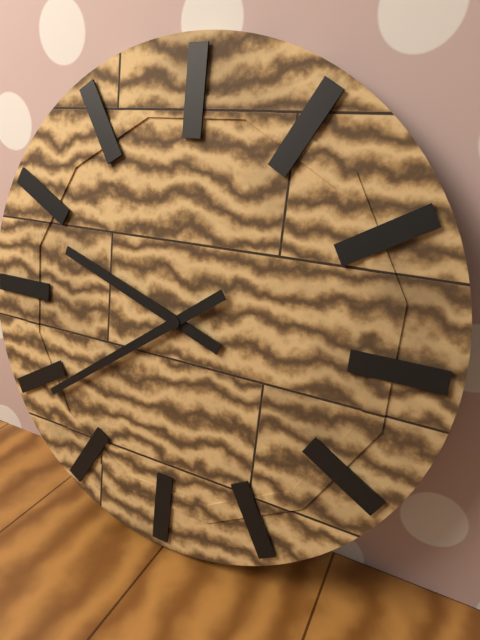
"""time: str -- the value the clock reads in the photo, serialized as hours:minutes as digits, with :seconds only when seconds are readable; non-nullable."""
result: 9:39
